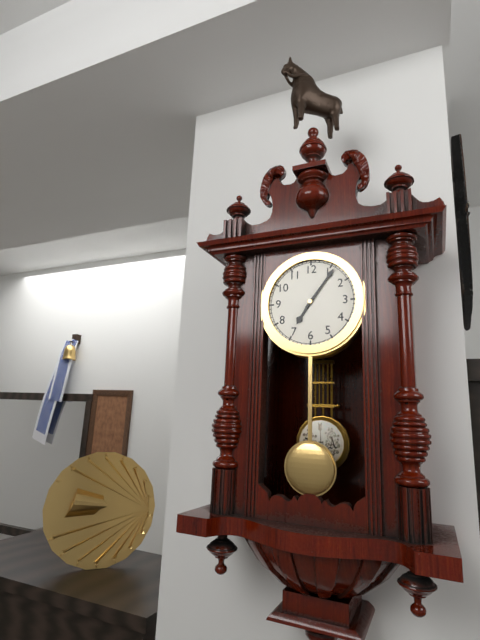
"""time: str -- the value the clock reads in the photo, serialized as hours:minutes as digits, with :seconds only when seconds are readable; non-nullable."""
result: 7:06
